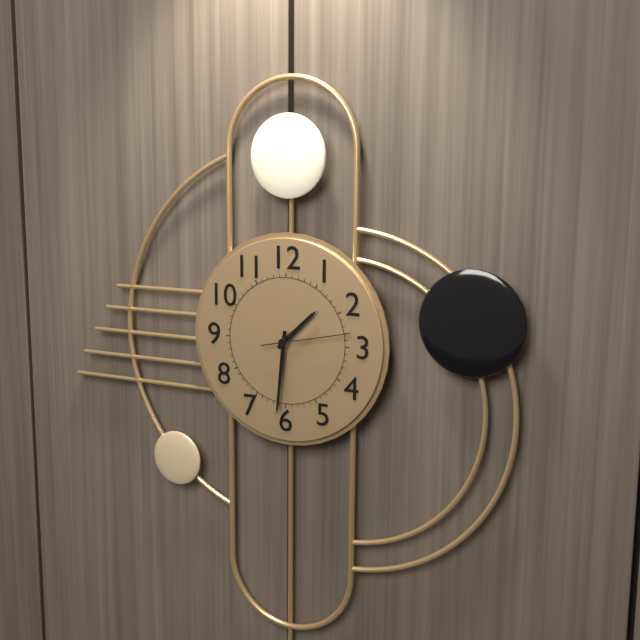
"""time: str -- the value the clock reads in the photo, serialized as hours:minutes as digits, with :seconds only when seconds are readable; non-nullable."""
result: 1:31:13
